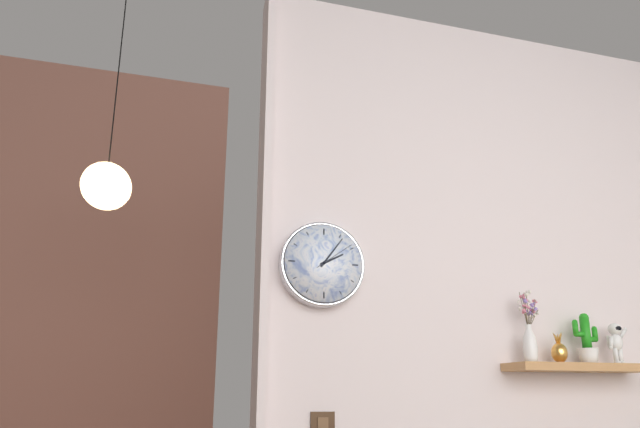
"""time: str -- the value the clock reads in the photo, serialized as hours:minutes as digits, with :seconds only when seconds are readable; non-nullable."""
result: 2:06
